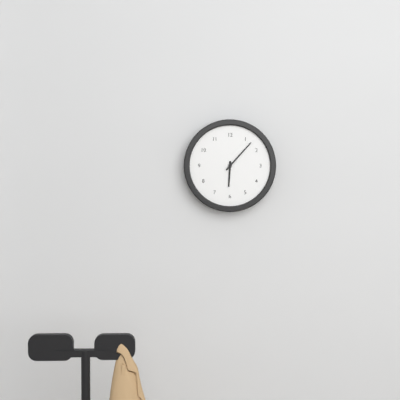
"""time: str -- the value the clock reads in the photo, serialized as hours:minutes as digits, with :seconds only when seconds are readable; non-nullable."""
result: 6:07
